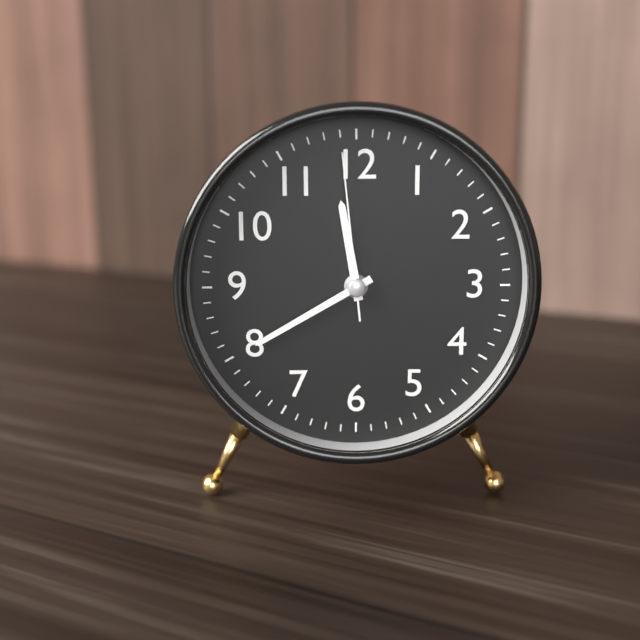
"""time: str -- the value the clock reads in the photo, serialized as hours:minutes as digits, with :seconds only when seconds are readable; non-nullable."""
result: 11:40:59
